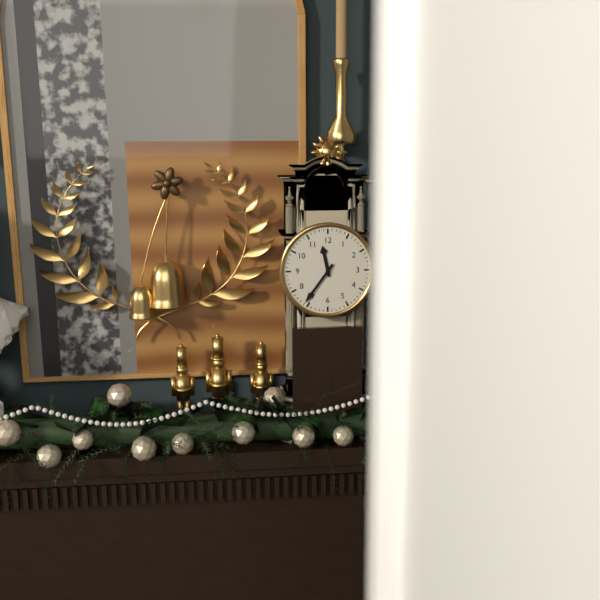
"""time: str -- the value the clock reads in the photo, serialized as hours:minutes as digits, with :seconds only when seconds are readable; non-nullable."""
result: 11:36
